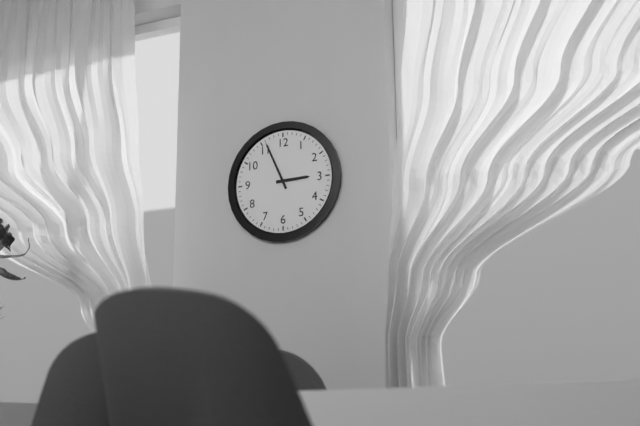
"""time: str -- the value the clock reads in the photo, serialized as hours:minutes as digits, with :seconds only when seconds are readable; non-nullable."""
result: 2:56
